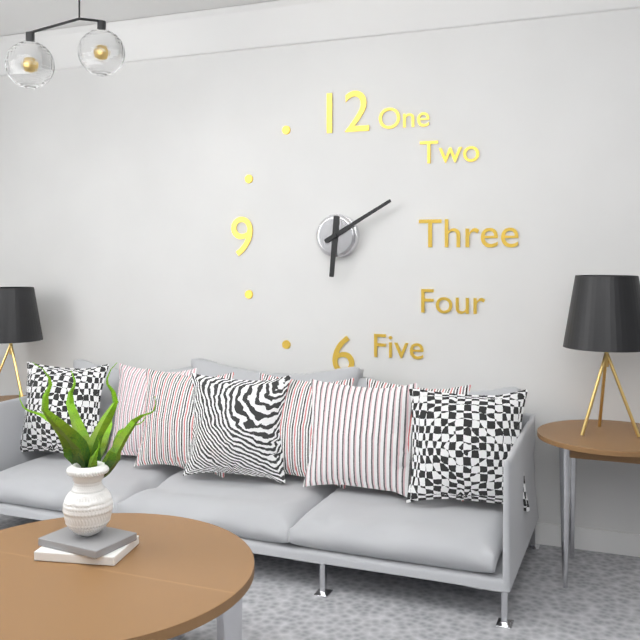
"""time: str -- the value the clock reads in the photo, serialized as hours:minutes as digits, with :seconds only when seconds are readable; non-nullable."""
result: 6:10
